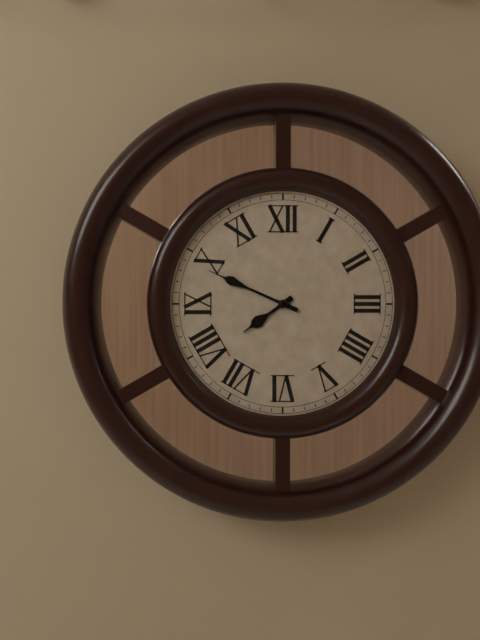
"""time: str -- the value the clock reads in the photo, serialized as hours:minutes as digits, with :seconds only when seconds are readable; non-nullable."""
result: 7:49
